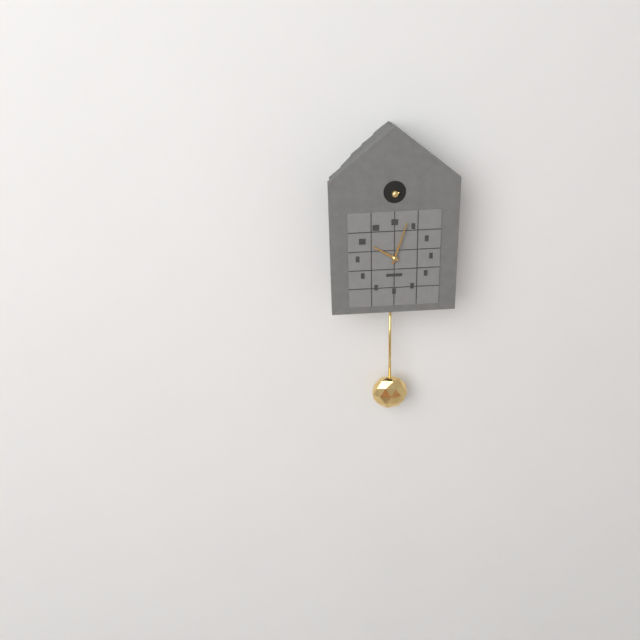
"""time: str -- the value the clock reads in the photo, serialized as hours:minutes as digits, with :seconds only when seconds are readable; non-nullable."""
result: 10:03
